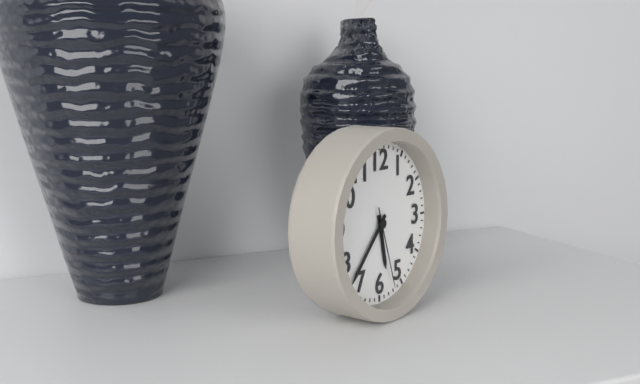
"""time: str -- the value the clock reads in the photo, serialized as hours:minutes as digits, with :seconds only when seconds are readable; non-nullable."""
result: 5:37:27
